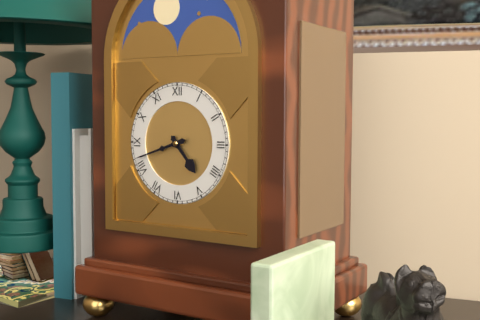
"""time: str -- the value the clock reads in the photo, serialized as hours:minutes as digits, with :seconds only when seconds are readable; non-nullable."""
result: 4:42
